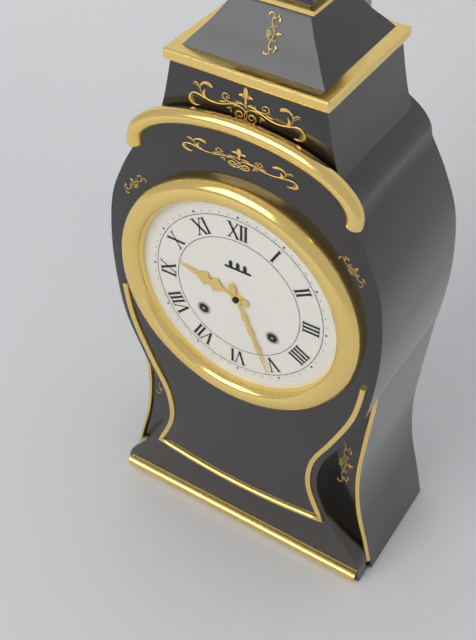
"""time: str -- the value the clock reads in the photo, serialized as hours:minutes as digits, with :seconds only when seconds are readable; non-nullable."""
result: 9:26
